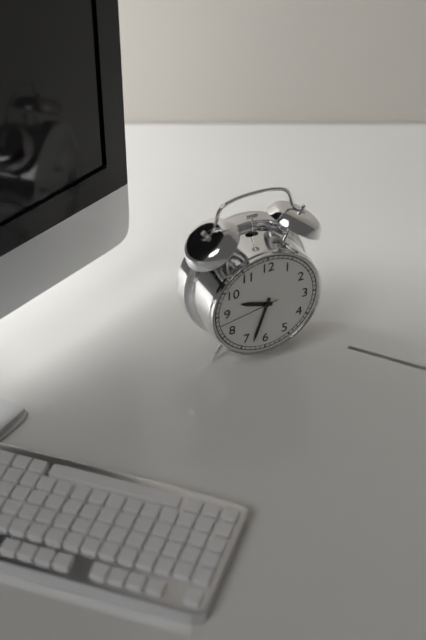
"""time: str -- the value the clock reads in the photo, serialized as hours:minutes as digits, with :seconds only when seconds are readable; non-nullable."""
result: 9:33:43
